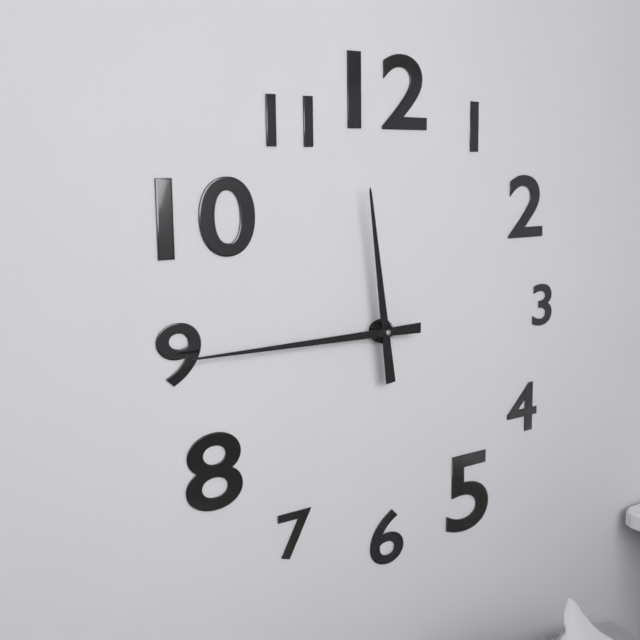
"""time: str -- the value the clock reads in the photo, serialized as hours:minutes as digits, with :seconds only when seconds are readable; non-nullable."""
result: 11:45
